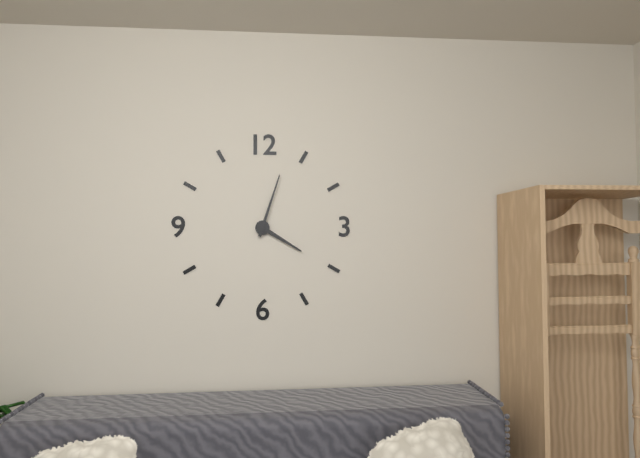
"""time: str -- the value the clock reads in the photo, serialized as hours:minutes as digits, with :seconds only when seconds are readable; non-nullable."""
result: 4:03
